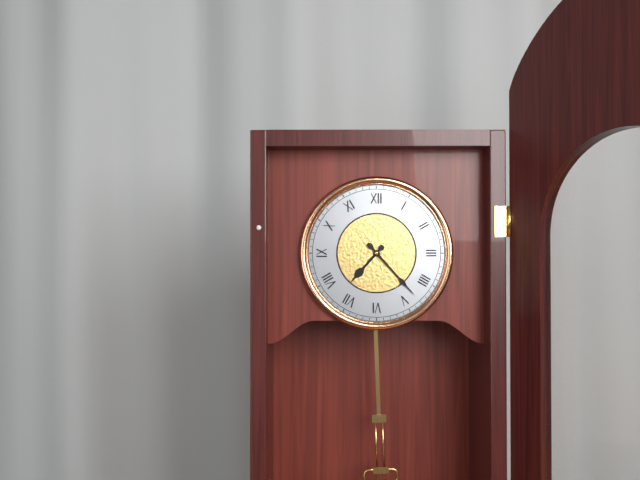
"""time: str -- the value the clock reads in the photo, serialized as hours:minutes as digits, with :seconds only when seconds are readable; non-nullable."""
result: 7:23
